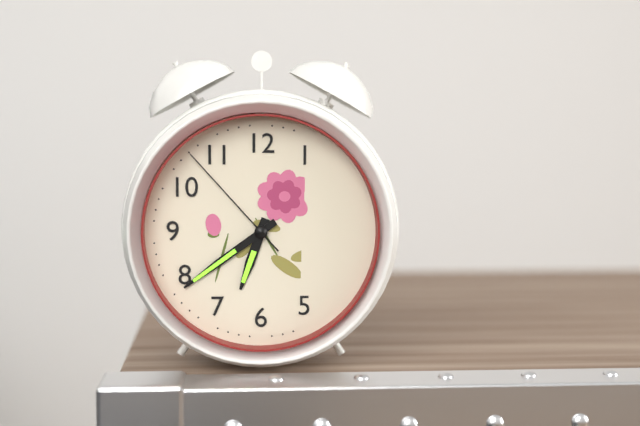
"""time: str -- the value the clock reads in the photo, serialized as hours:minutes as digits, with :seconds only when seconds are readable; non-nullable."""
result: 6:39:53
